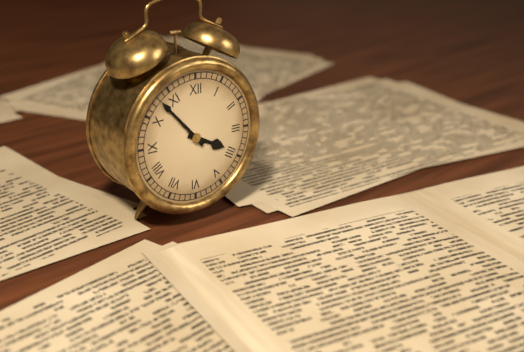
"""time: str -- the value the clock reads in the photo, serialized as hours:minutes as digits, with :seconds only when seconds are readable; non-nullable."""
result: 3:53
